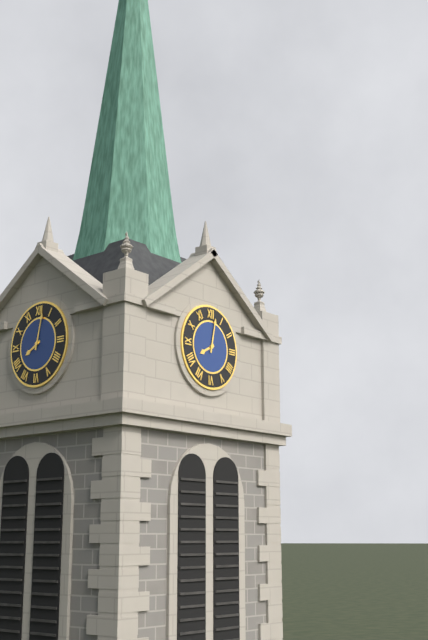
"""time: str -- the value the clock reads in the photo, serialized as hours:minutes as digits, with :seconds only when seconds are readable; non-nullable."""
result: 8:02
